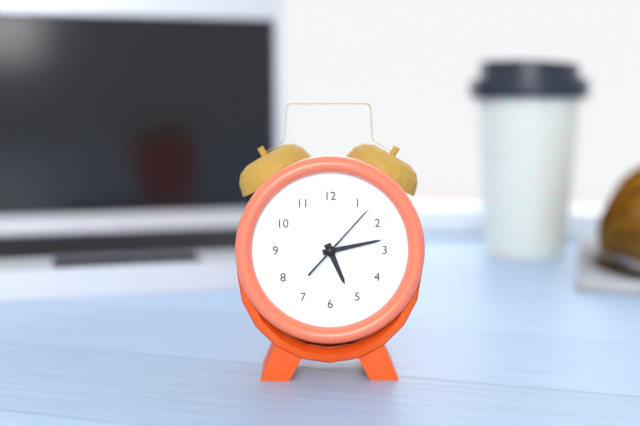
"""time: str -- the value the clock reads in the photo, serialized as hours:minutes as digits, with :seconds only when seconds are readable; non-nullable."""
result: 5:13:07
